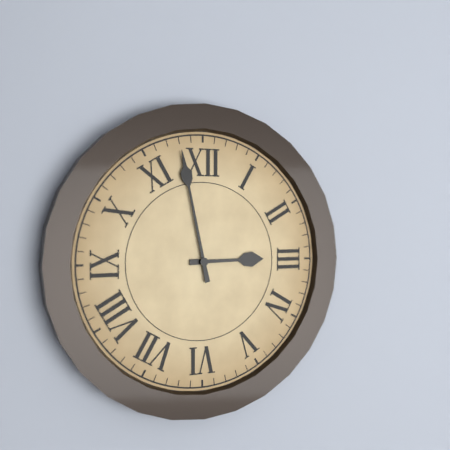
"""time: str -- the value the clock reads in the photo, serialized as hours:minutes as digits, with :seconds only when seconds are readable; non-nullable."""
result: 2:58
